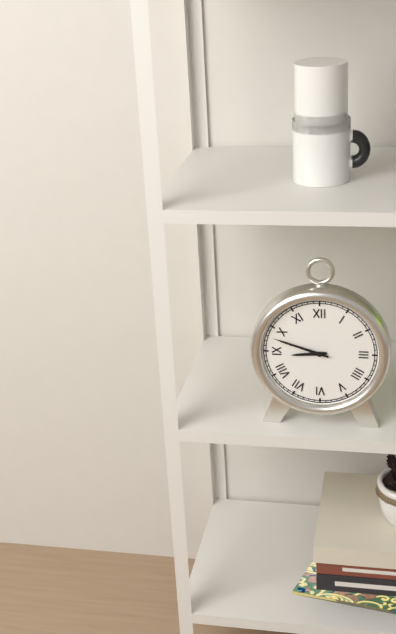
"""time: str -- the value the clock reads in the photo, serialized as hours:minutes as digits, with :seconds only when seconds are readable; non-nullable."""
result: 8:48
